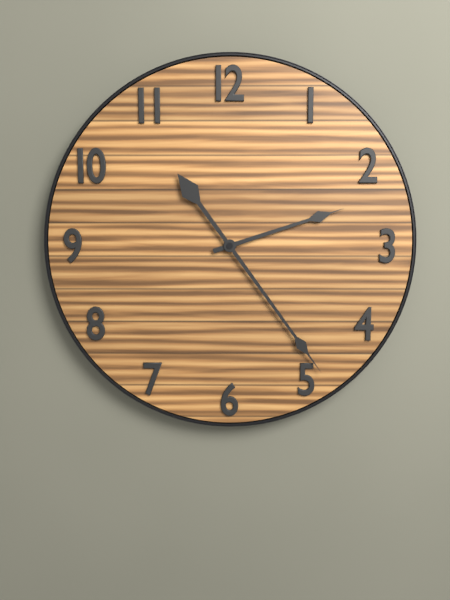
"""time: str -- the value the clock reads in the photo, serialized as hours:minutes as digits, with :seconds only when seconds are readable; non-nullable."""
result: 2:24
